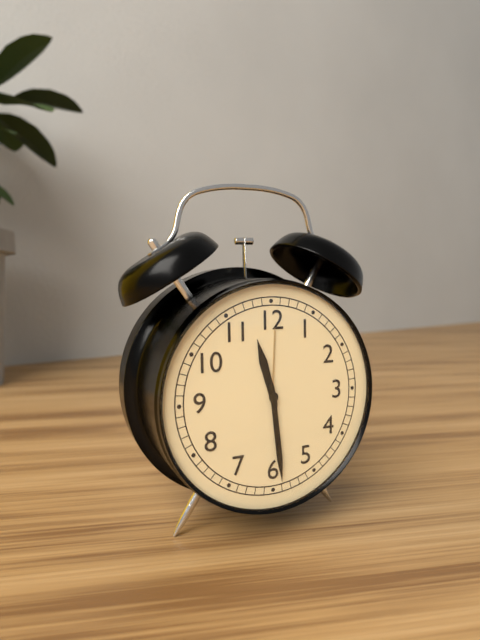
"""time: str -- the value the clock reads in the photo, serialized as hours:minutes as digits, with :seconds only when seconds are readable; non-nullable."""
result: 11:29
